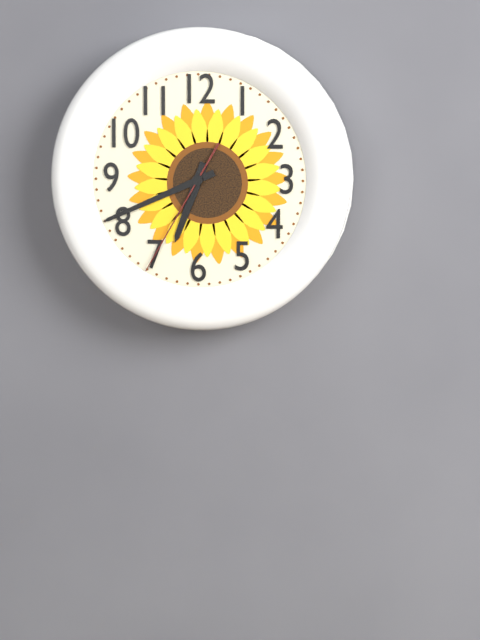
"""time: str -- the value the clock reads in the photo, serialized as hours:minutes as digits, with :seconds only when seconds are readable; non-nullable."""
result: 6:41:35
